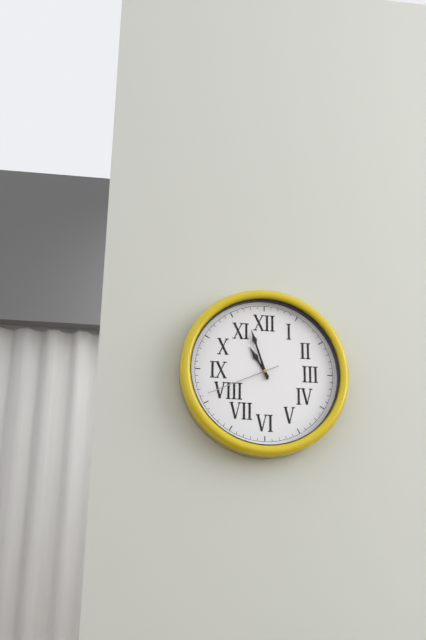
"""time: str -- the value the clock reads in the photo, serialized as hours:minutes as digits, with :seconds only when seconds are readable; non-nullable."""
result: 10:57:41
